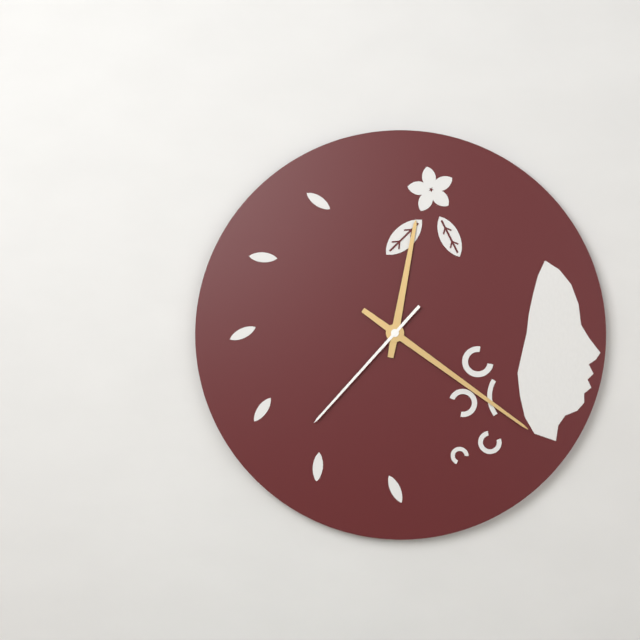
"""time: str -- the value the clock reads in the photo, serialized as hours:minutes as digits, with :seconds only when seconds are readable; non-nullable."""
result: 12:21:37
